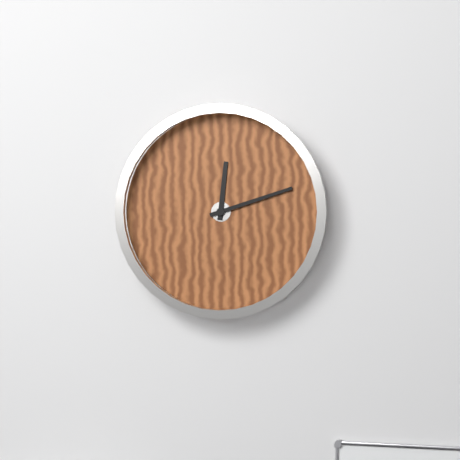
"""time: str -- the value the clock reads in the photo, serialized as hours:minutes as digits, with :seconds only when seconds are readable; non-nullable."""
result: 12:12
